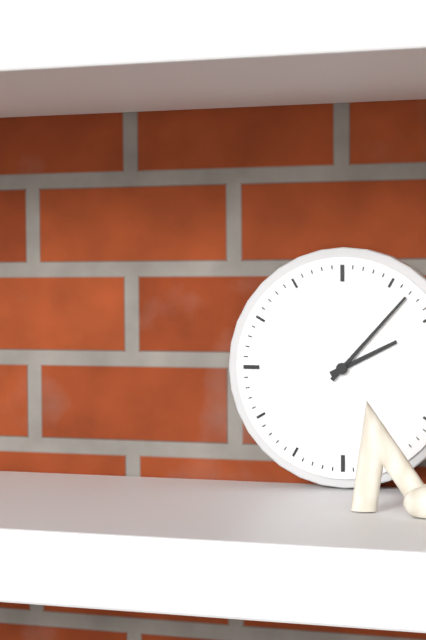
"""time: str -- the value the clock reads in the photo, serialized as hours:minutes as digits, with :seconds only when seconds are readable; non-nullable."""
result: 2:07
